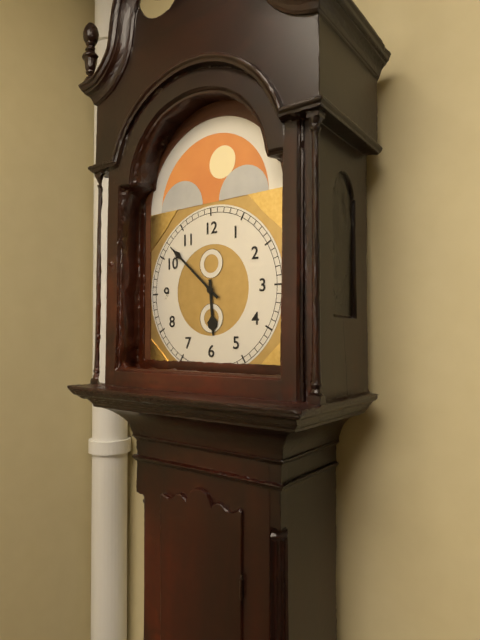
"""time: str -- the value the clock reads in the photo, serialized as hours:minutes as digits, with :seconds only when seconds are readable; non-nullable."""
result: 5:52
